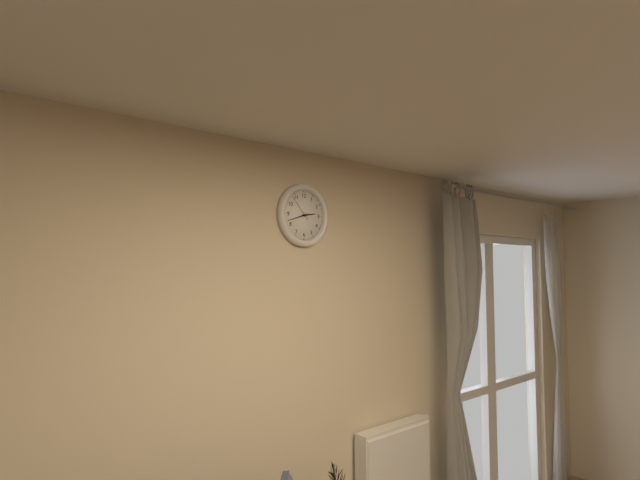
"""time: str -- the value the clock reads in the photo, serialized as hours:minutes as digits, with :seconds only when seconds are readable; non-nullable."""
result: 2:42
